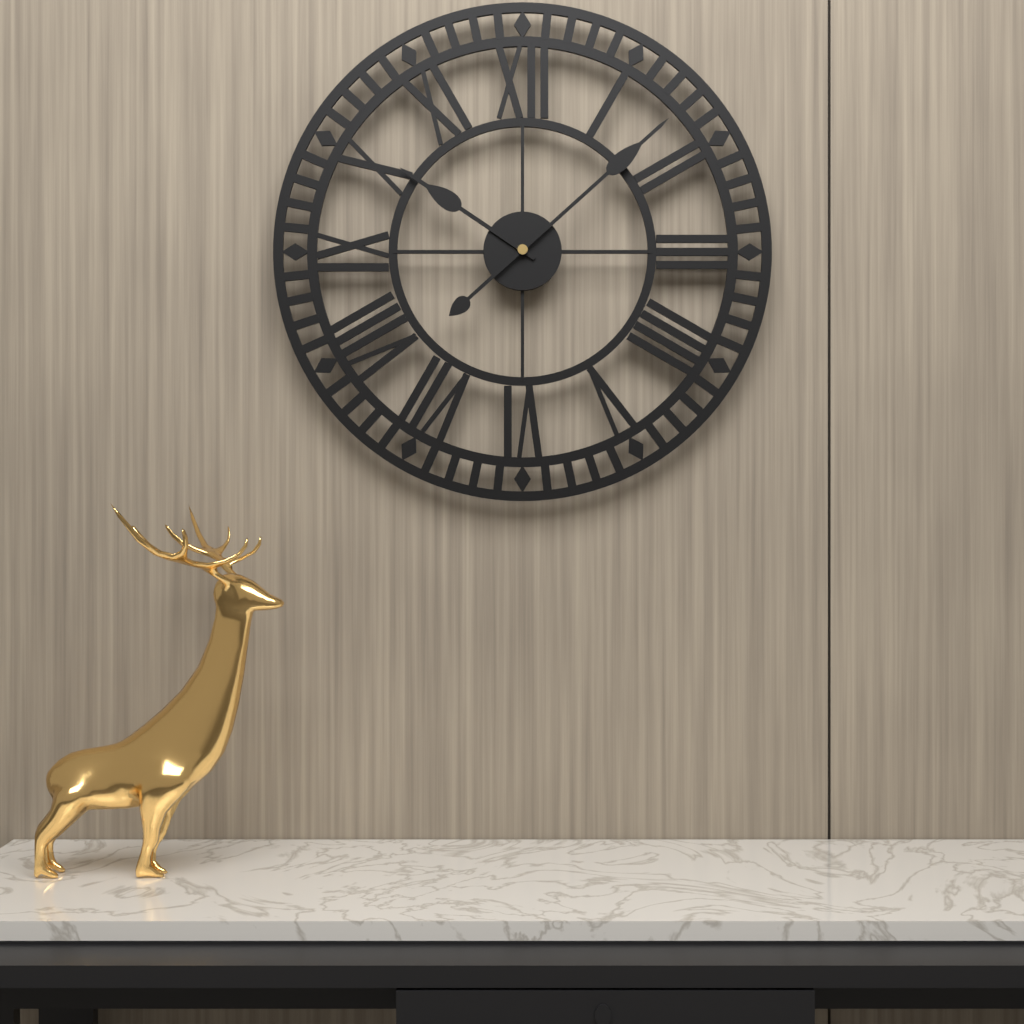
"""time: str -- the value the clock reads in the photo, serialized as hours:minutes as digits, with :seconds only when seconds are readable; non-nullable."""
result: 10:08
